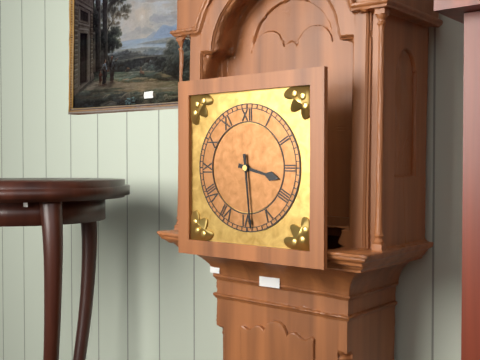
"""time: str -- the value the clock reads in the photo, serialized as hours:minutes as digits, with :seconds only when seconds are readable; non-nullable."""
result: 3:29
